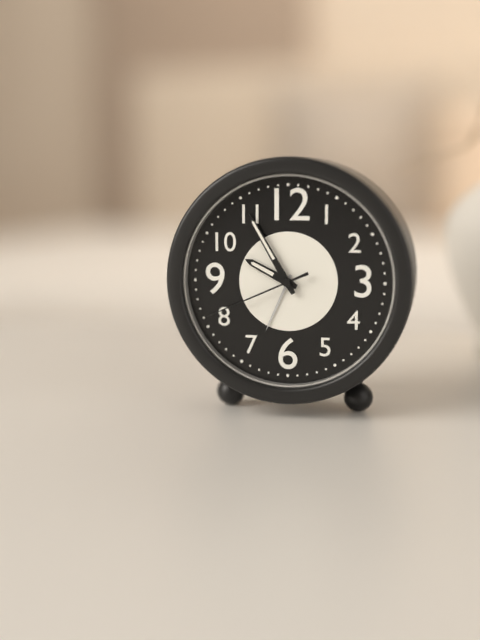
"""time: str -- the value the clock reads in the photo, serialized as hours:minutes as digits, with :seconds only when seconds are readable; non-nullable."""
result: 9:55:41
